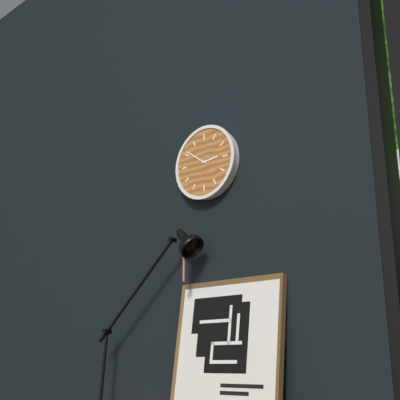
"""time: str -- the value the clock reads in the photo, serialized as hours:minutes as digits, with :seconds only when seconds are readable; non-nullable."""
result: 2:51
